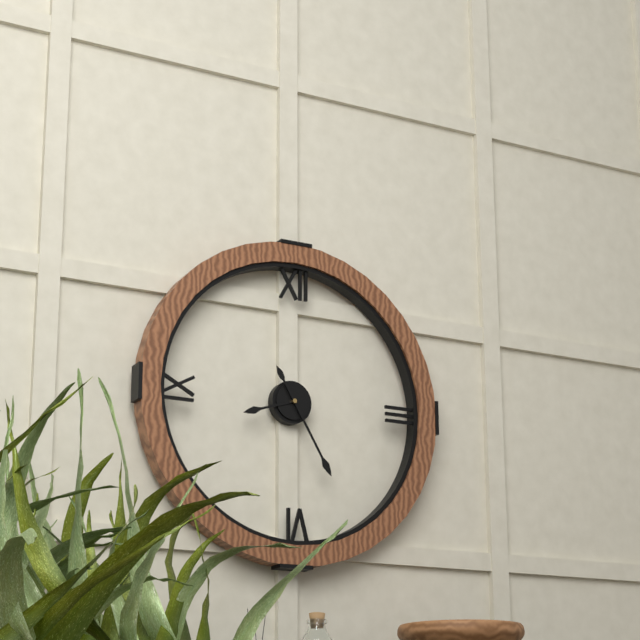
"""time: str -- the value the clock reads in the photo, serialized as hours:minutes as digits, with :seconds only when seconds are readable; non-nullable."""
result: 8:25
